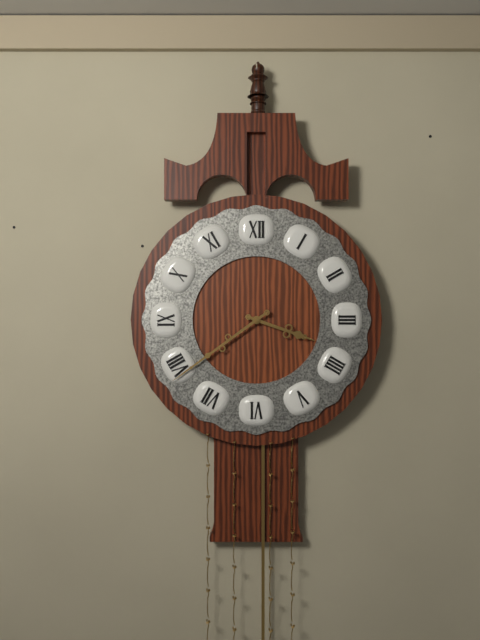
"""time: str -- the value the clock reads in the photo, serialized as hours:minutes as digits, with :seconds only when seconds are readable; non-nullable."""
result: 3:39
